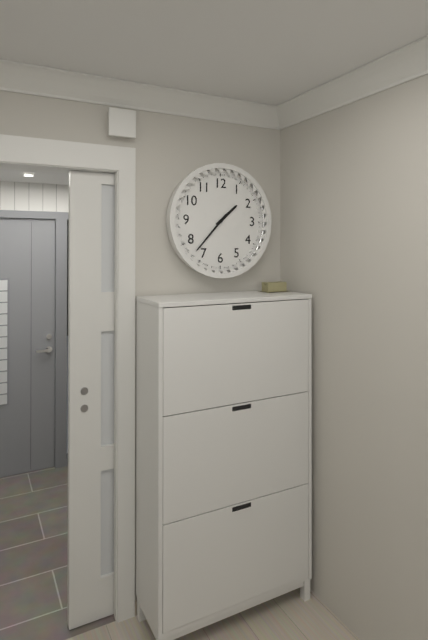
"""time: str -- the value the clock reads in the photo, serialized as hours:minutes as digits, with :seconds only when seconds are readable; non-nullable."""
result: 1:37
